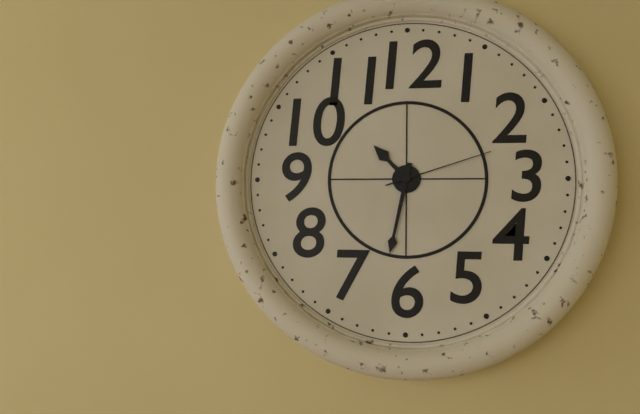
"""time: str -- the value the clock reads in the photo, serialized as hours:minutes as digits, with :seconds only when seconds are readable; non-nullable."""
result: 10:32:12
